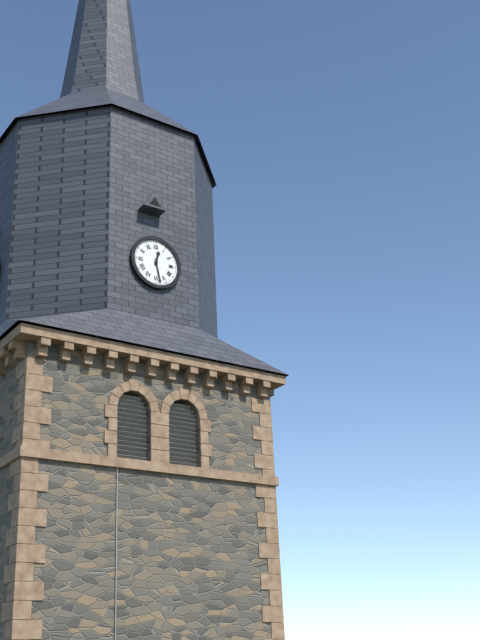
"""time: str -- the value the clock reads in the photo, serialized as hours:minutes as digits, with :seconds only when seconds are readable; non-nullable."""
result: 12:28
